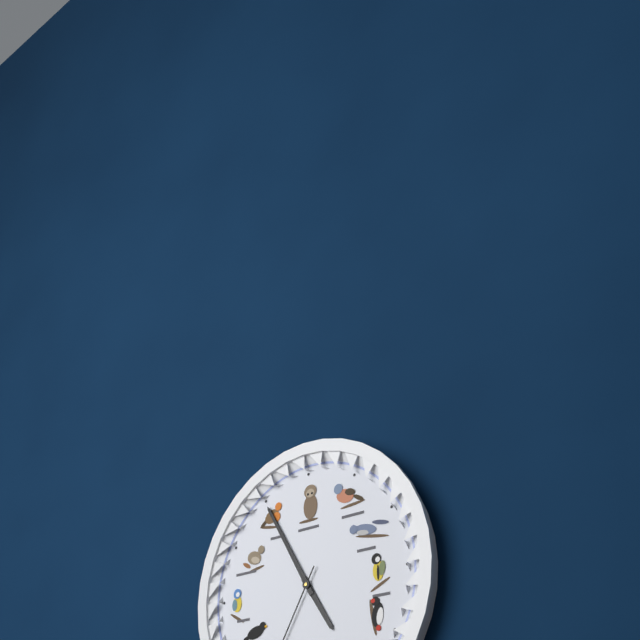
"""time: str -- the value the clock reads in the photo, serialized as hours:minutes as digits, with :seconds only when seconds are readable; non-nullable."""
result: 4:55
